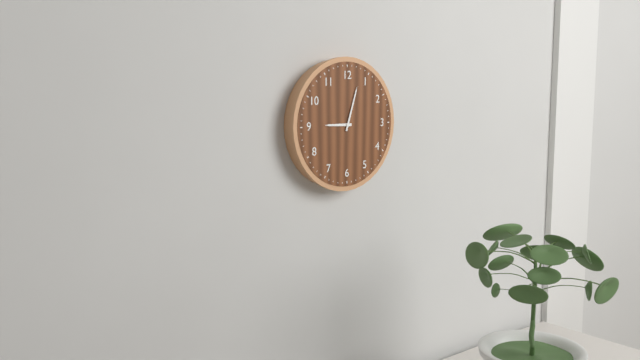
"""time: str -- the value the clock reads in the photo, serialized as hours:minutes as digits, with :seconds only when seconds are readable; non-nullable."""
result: 9:03
